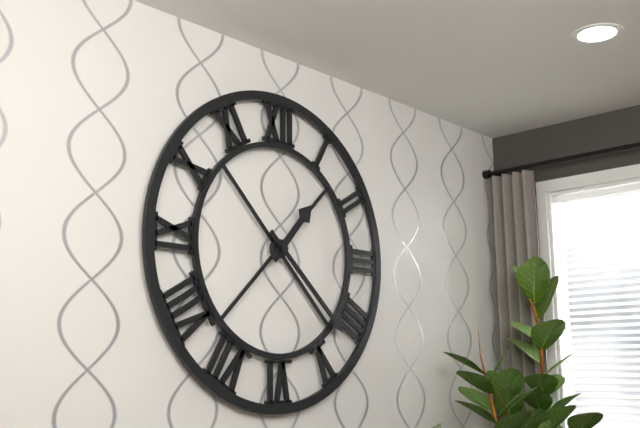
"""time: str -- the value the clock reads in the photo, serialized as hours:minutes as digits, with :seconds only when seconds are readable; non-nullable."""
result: 1:22
